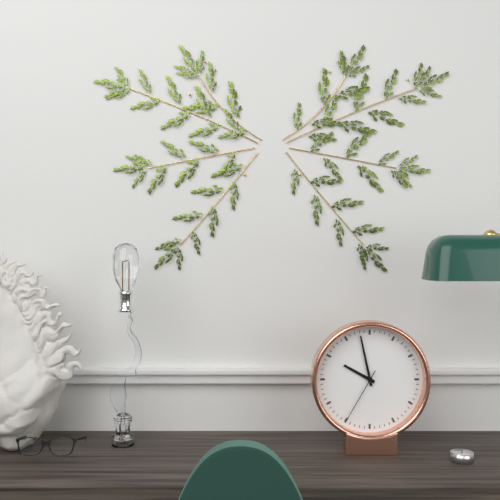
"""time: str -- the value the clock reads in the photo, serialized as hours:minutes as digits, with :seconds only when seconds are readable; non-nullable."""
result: 9:58:35
